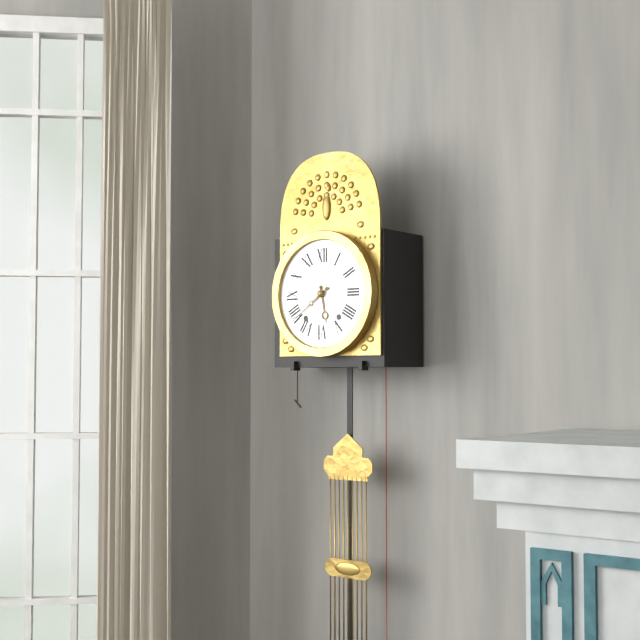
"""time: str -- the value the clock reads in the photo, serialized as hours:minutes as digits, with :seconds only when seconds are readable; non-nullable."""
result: 5:39
